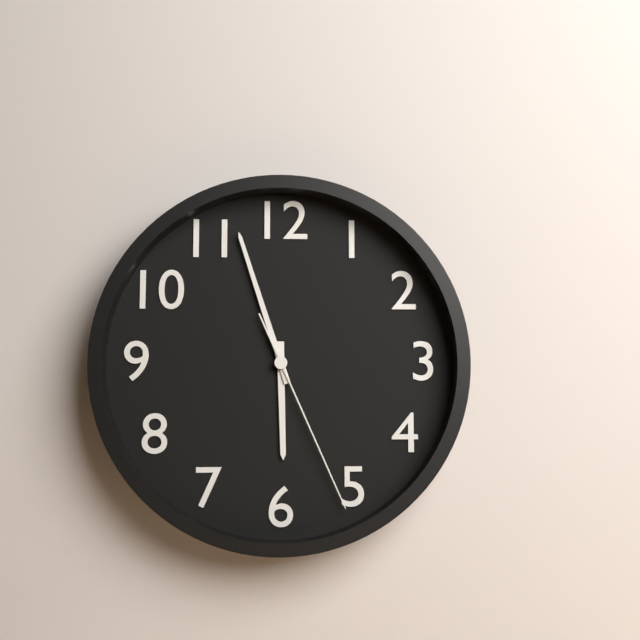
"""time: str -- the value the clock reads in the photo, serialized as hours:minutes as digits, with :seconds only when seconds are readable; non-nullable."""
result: 5:57:26
